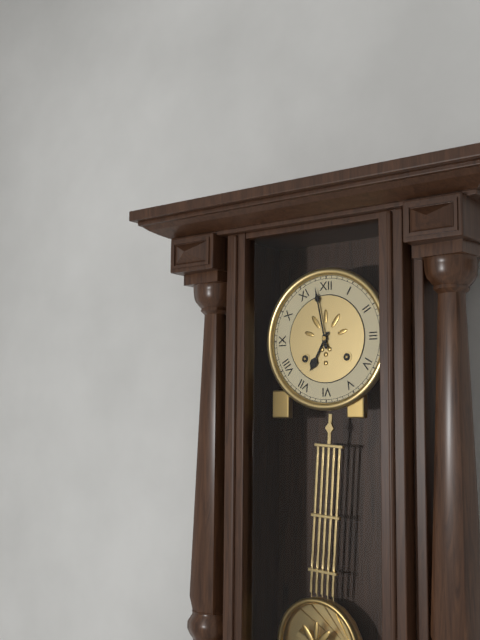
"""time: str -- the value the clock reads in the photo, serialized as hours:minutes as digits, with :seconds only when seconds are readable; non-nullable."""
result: 6:58
